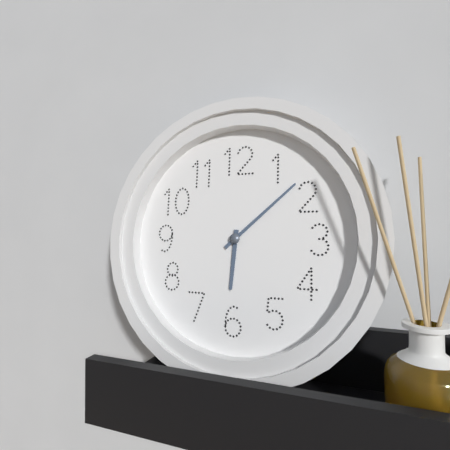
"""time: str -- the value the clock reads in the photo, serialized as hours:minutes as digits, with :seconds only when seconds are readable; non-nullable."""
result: 6:08
